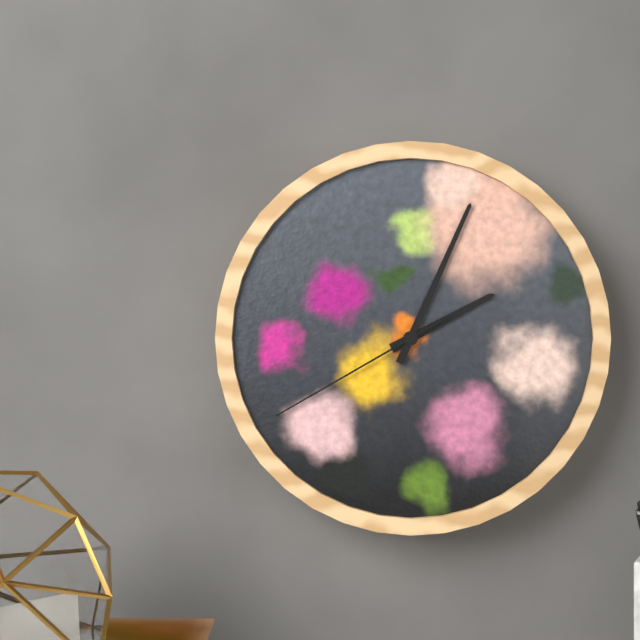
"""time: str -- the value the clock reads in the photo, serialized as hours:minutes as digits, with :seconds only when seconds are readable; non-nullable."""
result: 2:04:40
